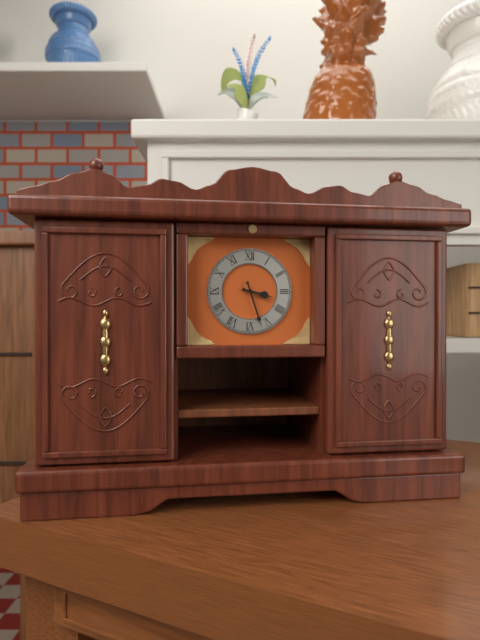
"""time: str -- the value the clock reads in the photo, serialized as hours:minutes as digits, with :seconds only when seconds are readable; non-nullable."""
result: 3:27
